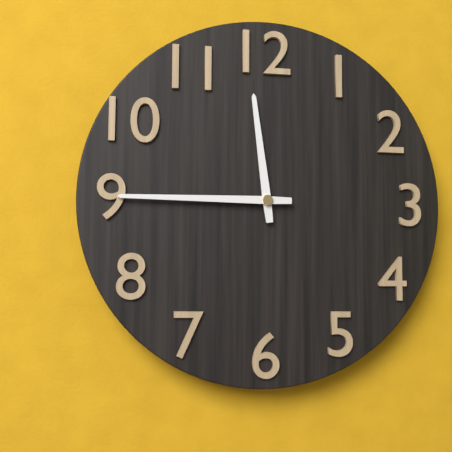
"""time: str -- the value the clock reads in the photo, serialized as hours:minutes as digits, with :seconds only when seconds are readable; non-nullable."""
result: 11:45
